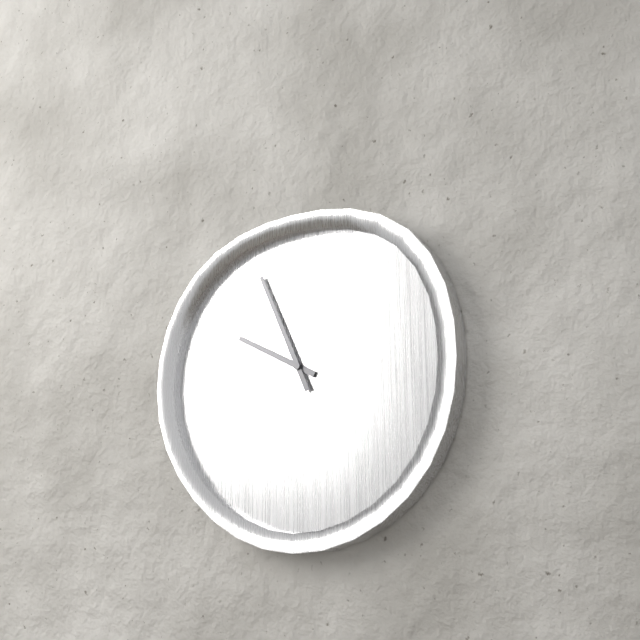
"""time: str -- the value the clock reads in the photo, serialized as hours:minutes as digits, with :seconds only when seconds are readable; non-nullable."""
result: 9:56
